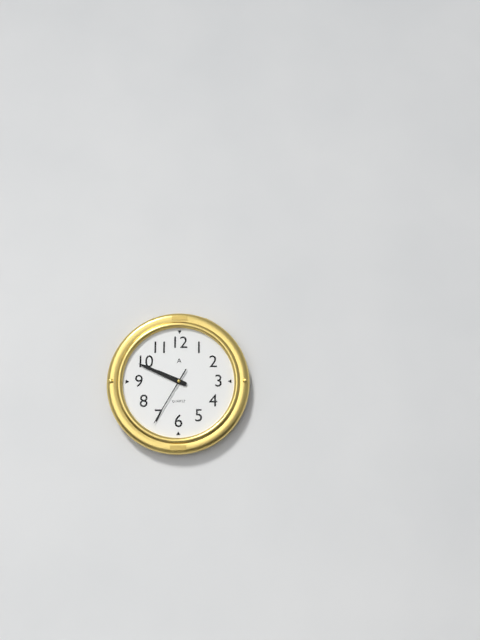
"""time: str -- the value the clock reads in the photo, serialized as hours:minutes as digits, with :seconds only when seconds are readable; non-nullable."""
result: 9:49:35
